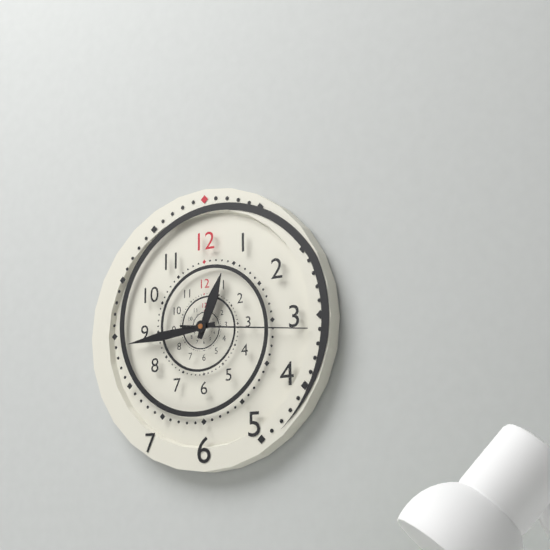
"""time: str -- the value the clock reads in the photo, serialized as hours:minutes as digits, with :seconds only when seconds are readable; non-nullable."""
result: 12:44:16
